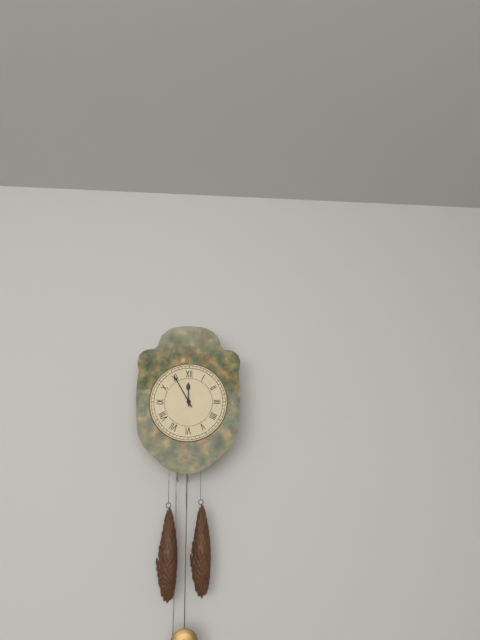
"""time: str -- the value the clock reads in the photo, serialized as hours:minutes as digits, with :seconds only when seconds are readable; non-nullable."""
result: 11:55
